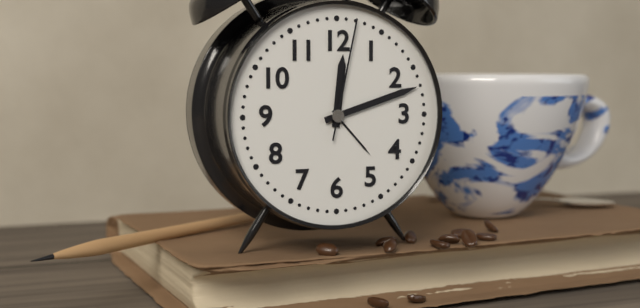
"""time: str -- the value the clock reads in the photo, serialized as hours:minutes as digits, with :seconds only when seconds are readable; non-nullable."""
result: 12:12:02
